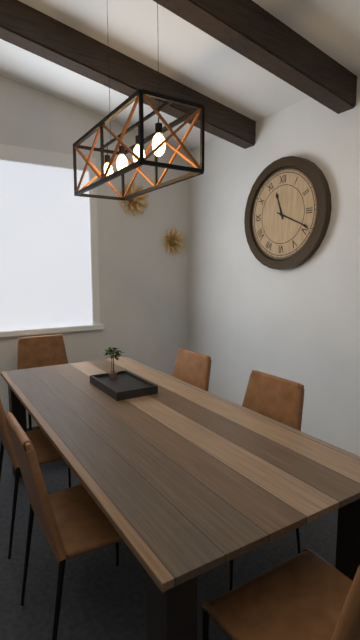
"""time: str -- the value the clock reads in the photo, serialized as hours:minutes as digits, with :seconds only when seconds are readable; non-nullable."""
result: 11:19
